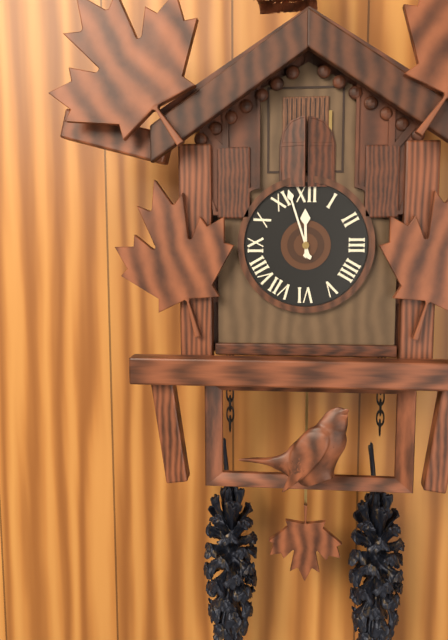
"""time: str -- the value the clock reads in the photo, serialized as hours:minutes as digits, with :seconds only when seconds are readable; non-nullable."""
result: 11:57
